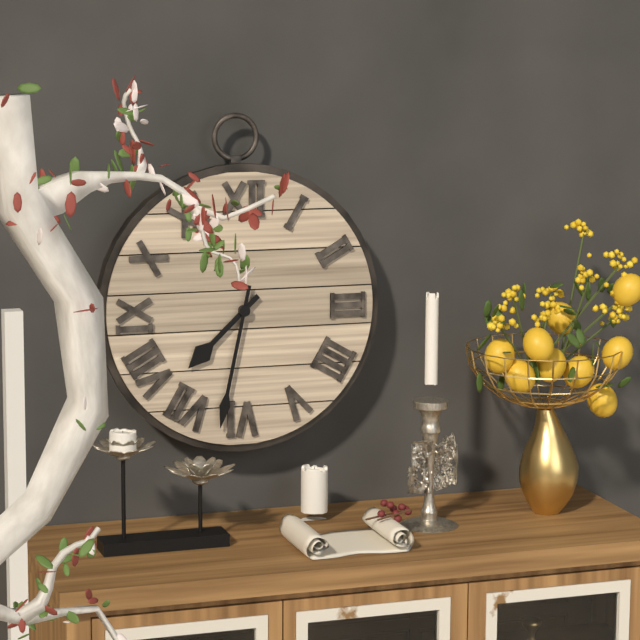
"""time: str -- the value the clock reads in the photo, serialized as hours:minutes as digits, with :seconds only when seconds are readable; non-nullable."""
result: 7:32
